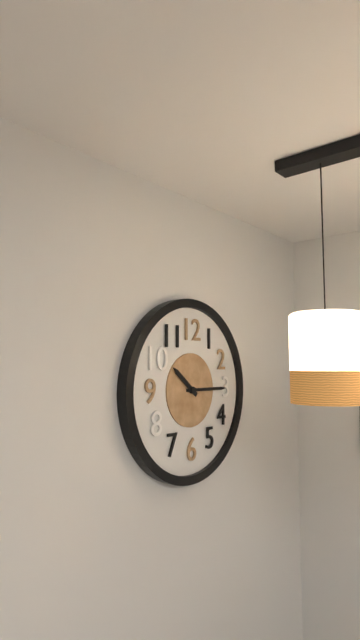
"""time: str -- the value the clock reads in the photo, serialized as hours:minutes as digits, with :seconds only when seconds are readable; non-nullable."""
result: 10:15
